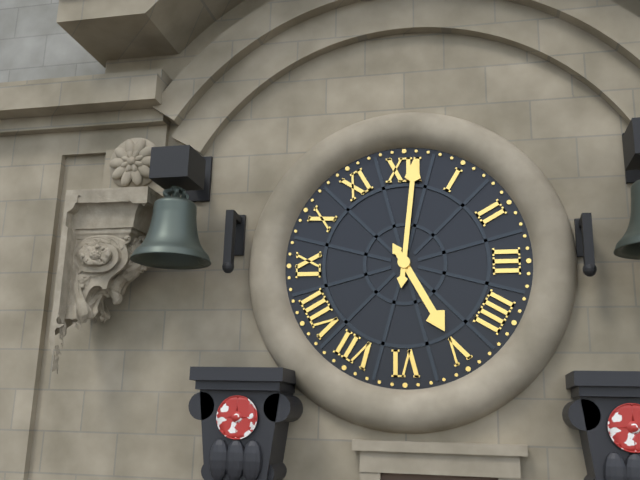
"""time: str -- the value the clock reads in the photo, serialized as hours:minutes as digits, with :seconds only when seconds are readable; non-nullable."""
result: 5:01
